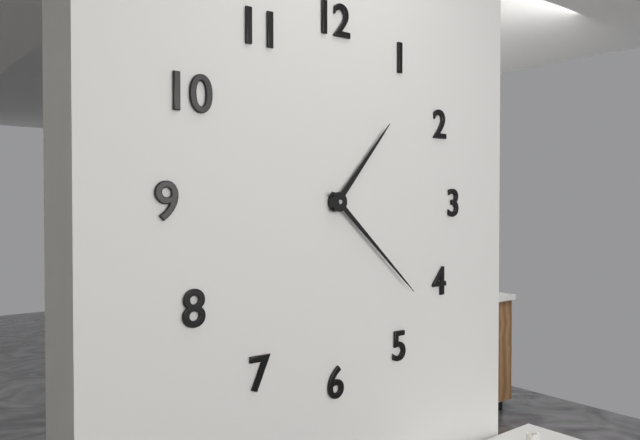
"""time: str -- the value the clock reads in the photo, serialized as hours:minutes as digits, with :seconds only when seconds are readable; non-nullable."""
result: 1:22
